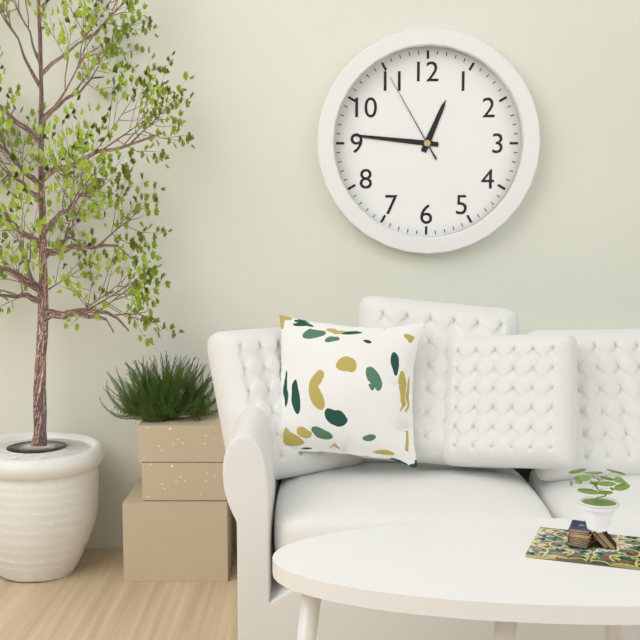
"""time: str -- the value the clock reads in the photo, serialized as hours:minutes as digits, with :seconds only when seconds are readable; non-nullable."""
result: 12:46:55
